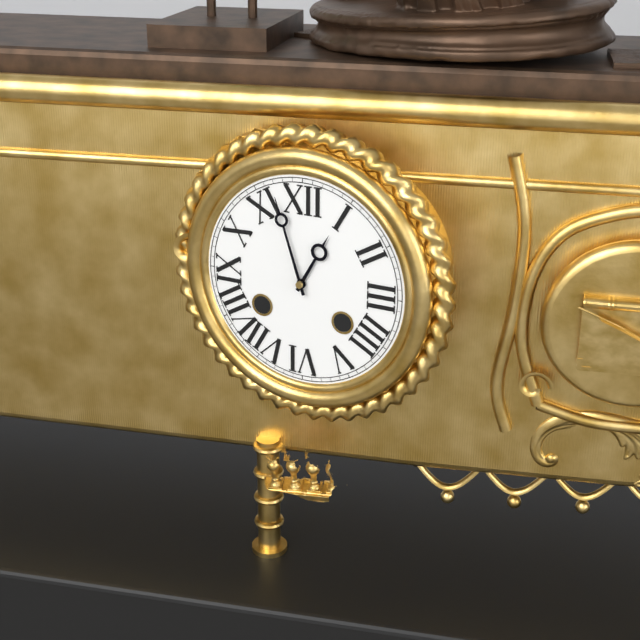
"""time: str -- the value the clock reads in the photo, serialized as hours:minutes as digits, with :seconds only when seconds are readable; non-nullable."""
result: 12:57
